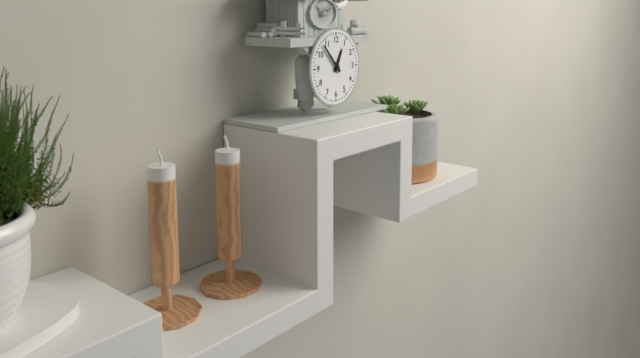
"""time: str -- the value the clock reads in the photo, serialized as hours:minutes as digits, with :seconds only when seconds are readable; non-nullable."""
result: 12:53
